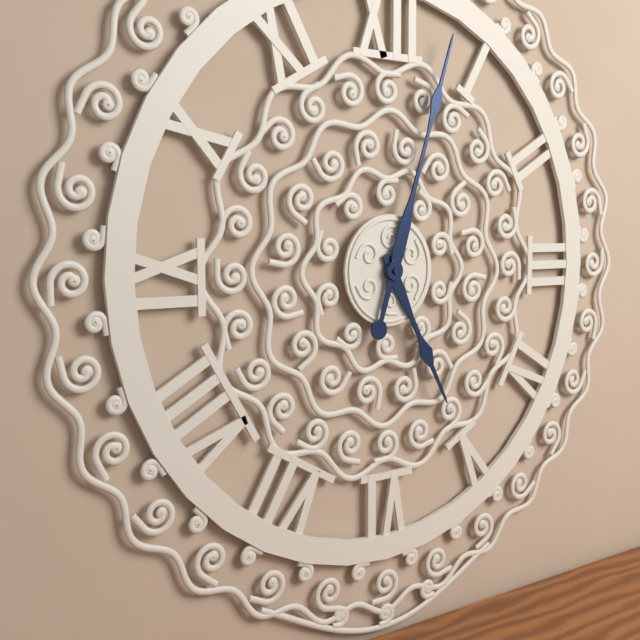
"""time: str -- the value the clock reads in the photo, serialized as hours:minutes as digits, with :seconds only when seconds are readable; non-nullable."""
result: 5:03
